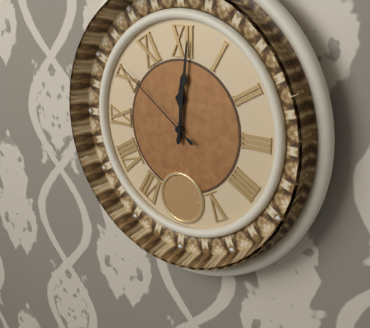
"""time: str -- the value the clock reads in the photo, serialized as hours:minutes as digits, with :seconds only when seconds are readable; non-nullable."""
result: 12:01:51
